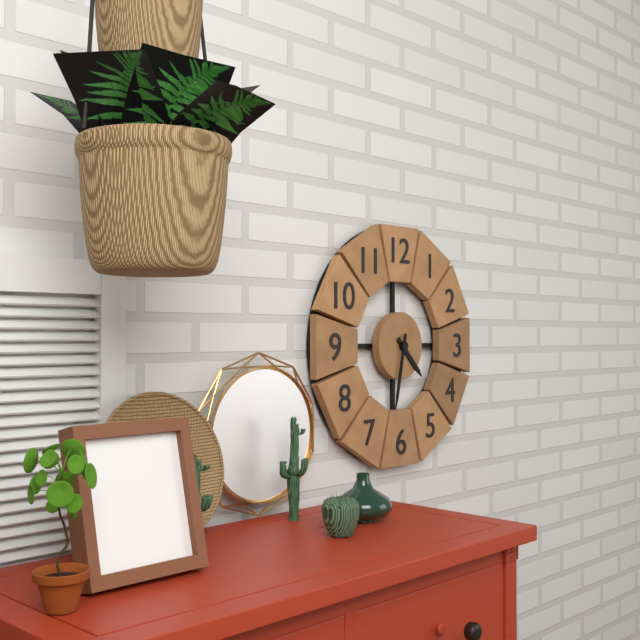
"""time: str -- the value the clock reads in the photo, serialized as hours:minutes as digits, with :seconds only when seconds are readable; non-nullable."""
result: 4:32
